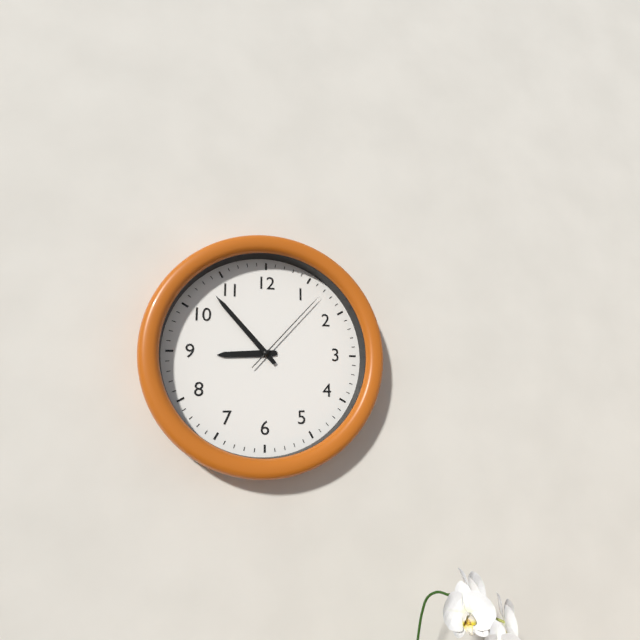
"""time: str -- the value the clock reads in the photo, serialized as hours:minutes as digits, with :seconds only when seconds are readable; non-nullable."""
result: 8:53:07
